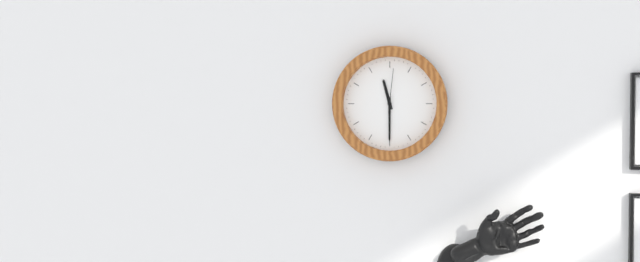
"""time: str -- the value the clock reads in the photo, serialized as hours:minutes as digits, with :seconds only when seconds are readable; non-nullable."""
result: 11:30
